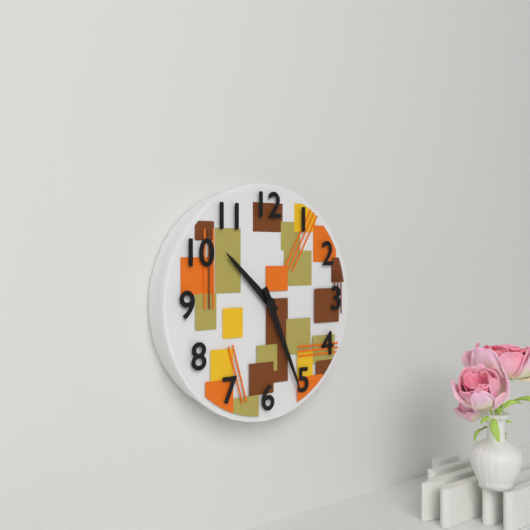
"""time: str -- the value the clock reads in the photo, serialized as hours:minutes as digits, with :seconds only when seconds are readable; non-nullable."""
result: 10:26
